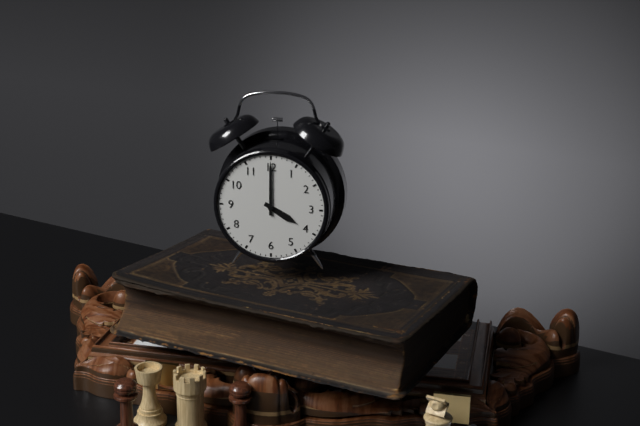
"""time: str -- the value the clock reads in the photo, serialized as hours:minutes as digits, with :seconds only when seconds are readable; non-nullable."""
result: 4:00
